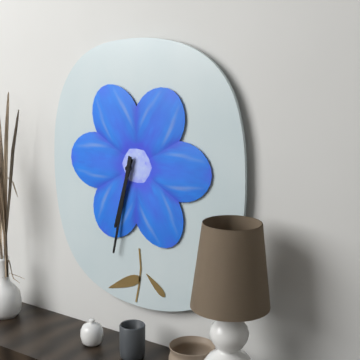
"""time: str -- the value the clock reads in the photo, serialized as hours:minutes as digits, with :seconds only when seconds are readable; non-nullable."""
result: 6:32
